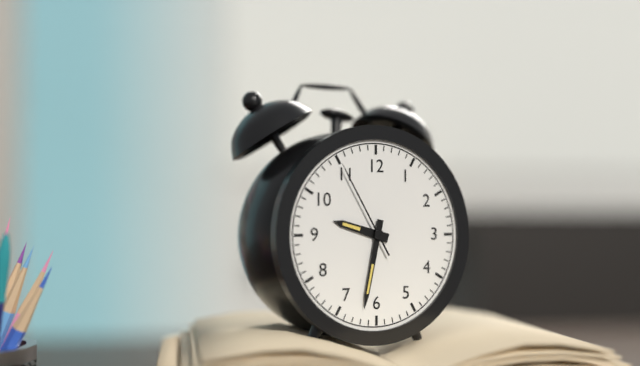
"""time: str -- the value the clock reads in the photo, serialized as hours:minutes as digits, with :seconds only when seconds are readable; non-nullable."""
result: 9:32:55
